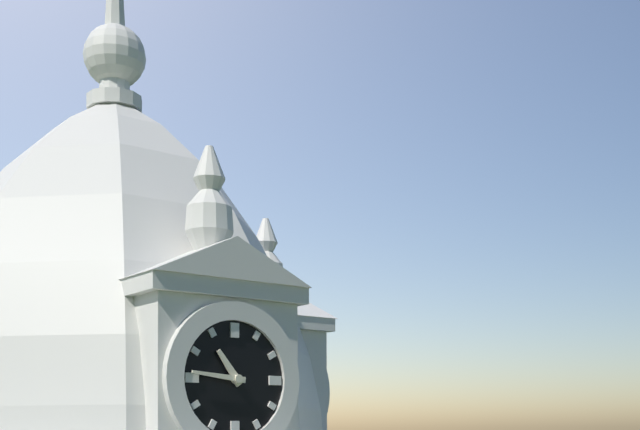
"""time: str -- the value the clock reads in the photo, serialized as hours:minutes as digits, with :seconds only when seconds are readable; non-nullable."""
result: 10:46
